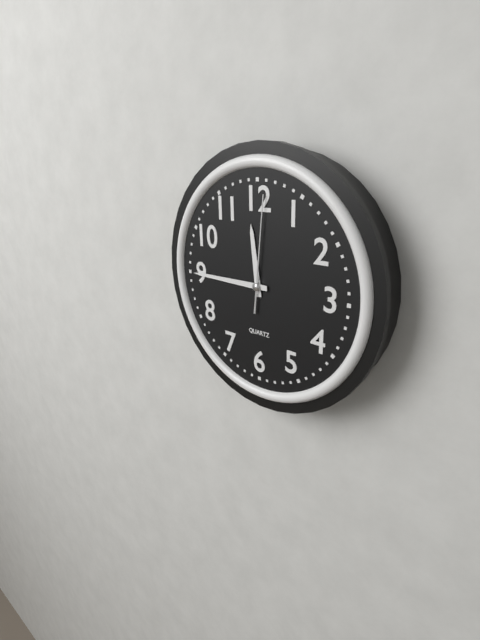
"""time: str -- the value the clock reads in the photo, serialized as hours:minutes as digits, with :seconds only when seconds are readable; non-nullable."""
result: 11:45:01
